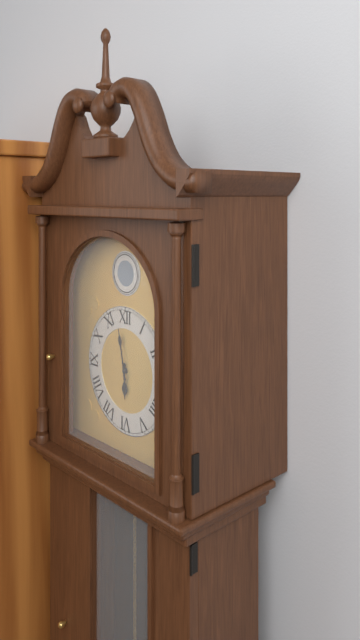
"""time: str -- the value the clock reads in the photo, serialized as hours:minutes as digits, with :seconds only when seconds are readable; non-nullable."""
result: 5:58
